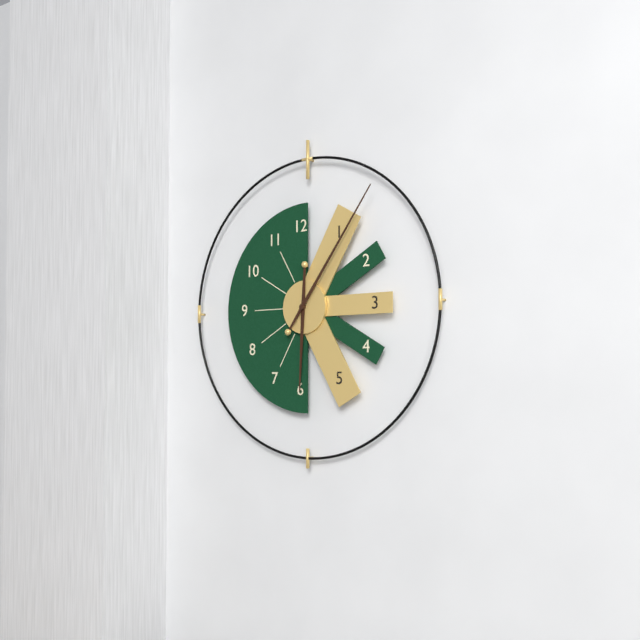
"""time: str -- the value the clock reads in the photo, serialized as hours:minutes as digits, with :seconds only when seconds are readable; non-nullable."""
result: 6:06
